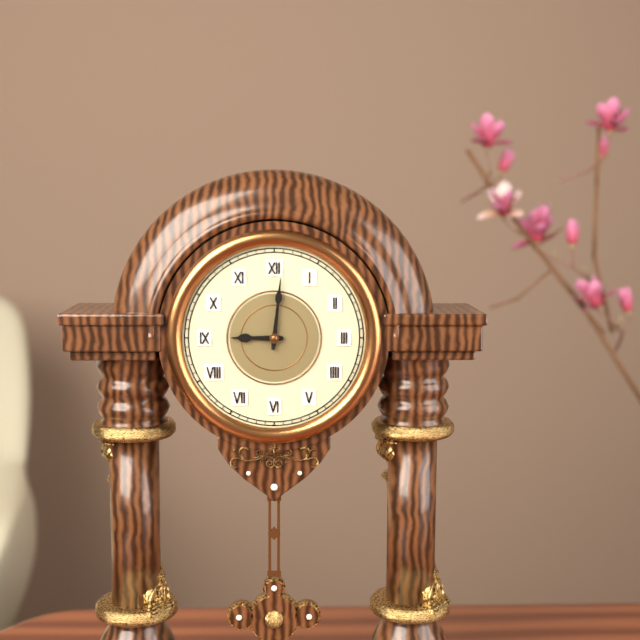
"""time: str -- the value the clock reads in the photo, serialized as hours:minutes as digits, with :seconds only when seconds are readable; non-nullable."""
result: 9:01
